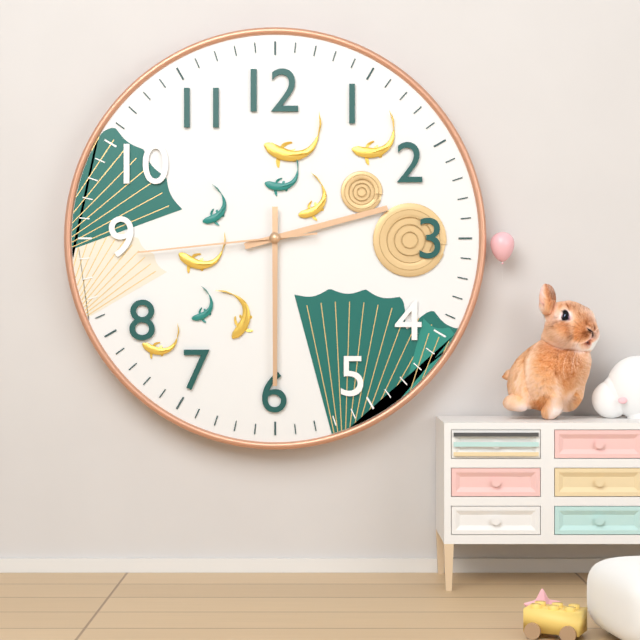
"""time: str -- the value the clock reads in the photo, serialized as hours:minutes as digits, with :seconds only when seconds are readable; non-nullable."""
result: 2:30:44
